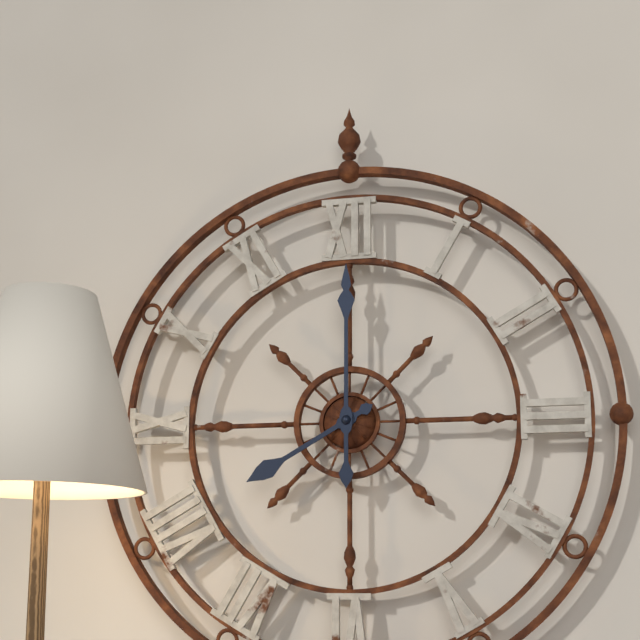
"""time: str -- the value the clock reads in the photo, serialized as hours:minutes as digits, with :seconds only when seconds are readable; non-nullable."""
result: 8:00
